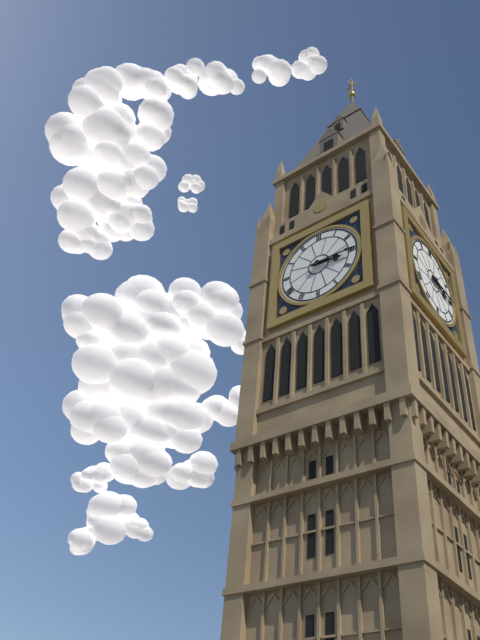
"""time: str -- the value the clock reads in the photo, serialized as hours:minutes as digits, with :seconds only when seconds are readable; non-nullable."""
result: 3:15
